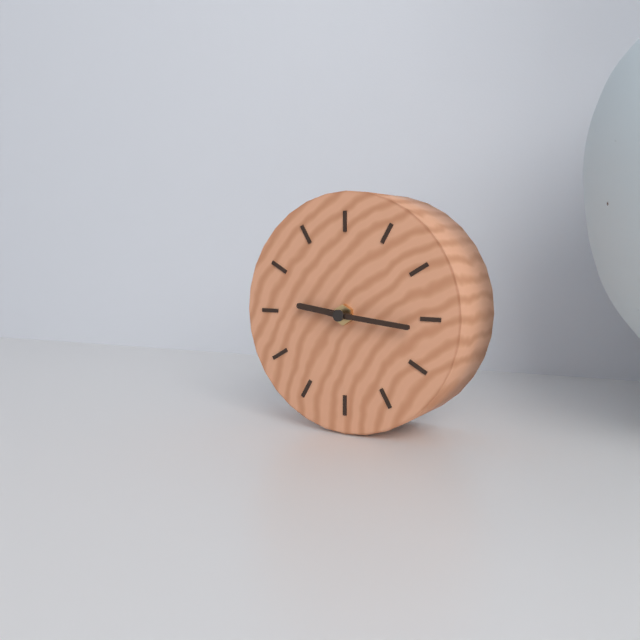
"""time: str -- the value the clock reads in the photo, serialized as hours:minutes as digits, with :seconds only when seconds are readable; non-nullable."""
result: 9:16
